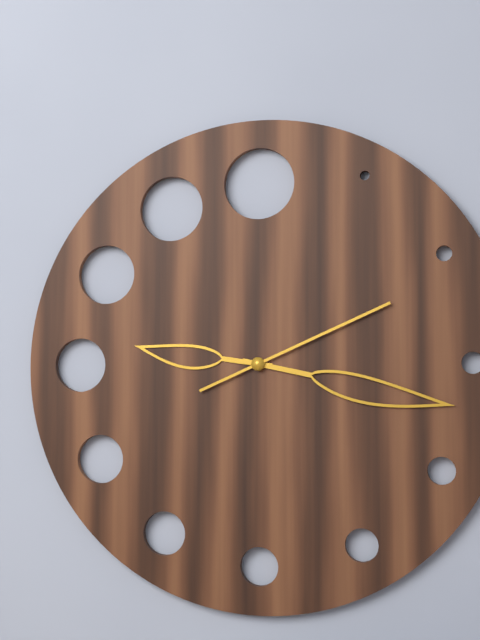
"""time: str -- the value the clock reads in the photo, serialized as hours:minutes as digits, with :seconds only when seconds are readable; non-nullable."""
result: 9:17:11
